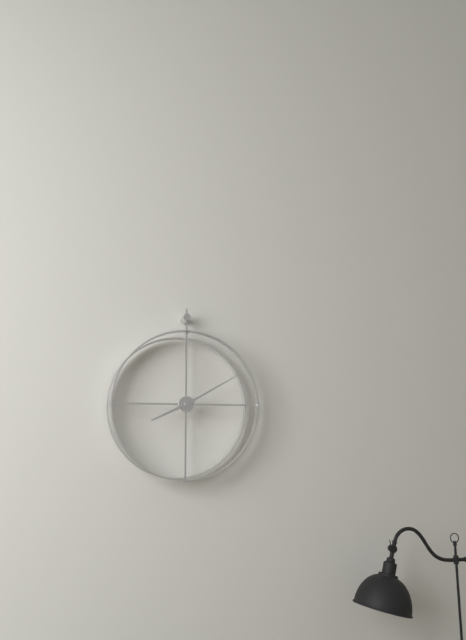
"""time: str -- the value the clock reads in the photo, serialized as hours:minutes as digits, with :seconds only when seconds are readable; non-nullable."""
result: 8:10
